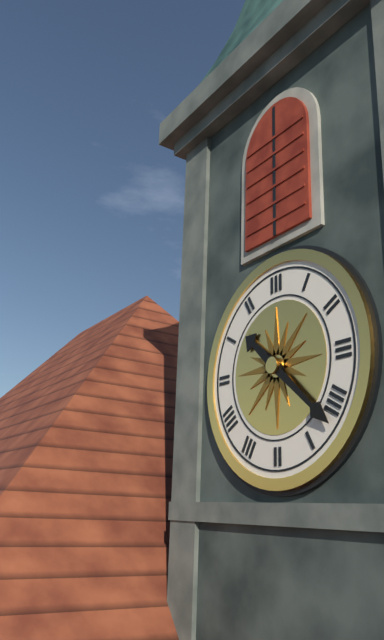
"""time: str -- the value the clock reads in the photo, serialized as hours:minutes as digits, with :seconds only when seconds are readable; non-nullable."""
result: 10:22
